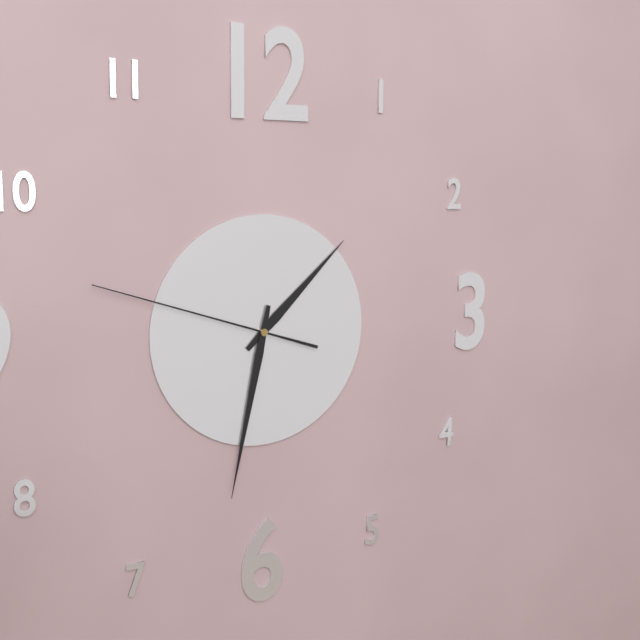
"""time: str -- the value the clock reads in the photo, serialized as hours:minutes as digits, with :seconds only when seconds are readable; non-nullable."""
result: 1:32:48
